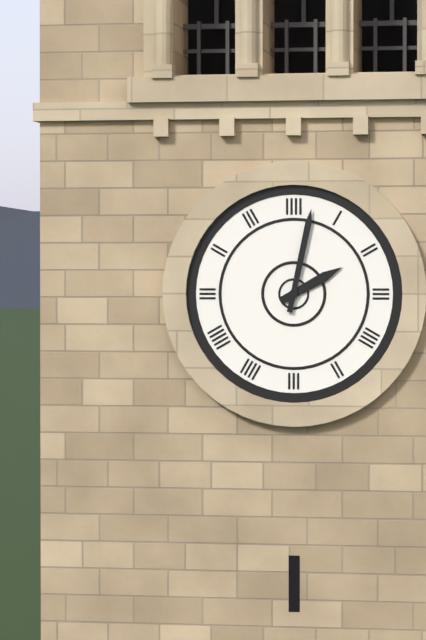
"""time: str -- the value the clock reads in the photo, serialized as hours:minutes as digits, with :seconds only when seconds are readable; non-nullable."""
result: 2:02
